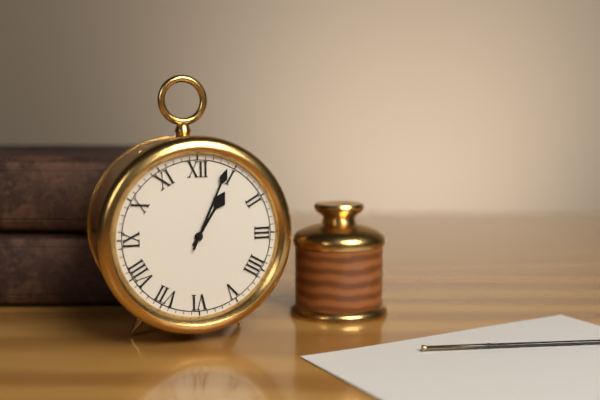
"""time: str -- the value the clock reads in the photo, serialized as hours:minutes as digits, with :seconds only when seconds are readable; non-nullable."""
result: 1:04
